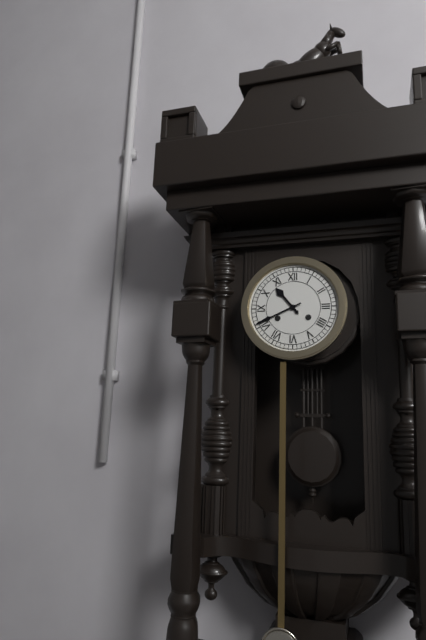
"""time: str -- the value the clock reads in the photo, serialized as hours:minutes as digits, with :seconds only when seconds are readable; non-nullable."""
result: 10:41
